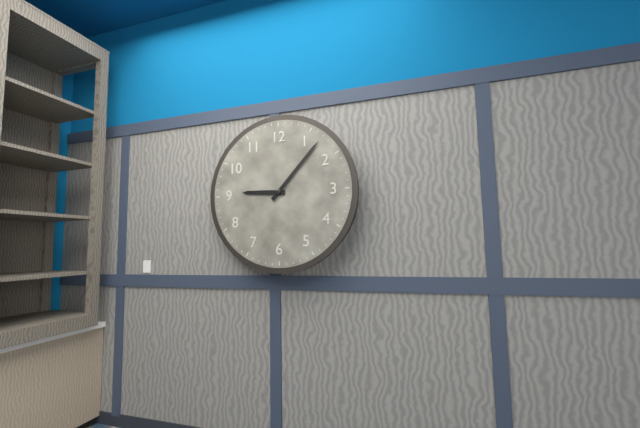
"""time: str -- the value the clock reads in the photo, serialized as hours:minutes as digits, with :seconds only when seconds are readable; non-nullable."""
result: 9:07
